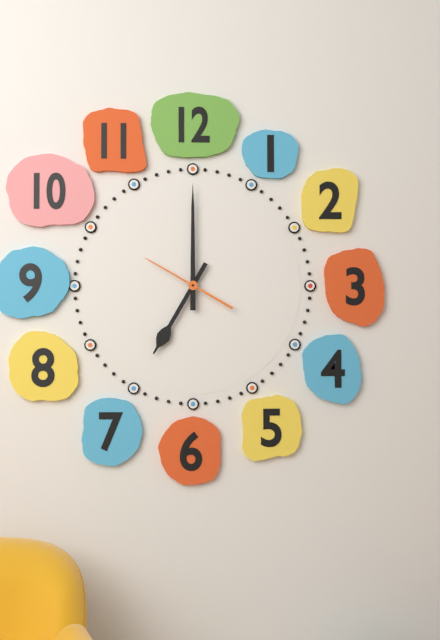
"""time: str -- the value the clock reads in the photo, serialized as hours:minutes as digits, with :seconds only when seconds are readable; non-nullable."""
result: 7:00:50
